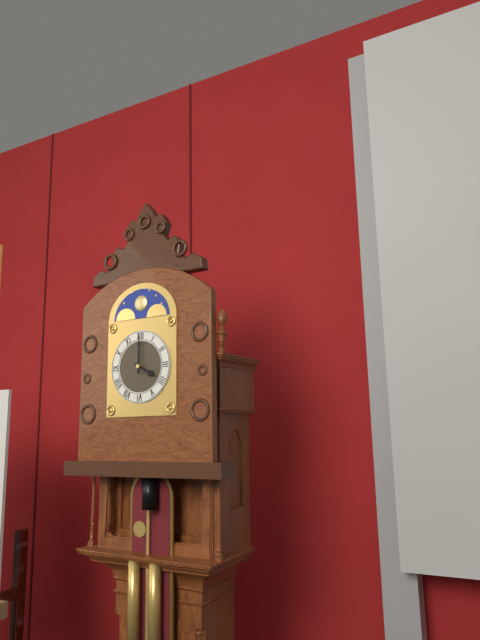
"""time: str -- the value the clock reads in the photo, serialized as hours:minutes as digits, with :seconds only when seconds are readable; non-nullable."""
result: 4:00
